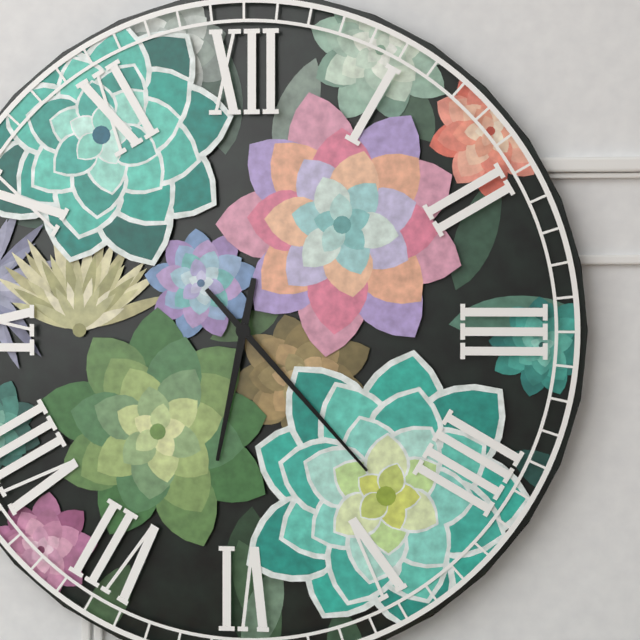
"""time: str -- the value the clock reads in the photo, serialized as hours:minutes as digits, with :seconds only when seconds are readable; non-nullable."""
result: 6:23
